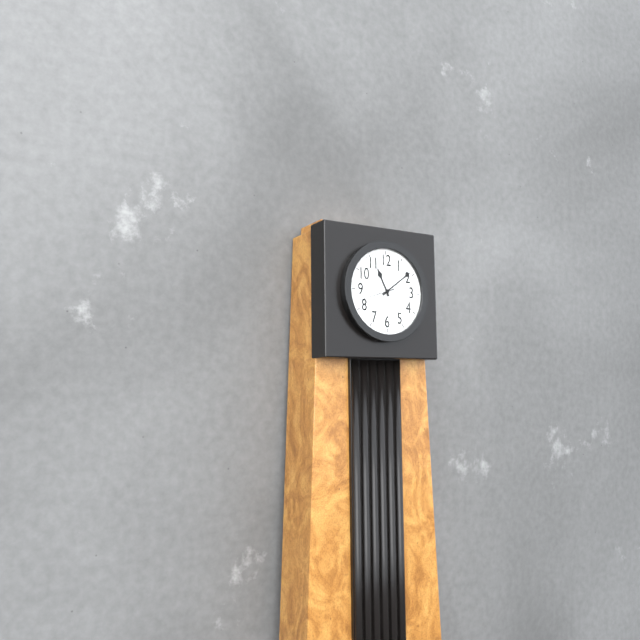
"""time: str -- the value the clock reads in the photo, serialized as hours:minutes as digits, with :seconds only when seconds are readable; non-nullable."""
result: 11:09
